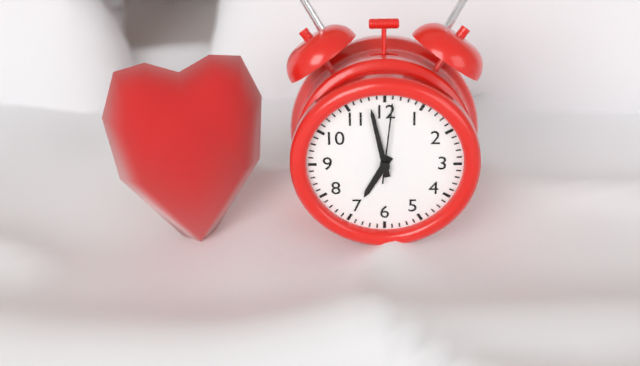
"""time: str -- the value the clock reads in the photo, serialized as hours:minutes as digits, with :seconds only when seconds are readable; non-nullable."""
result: 6:58:01
